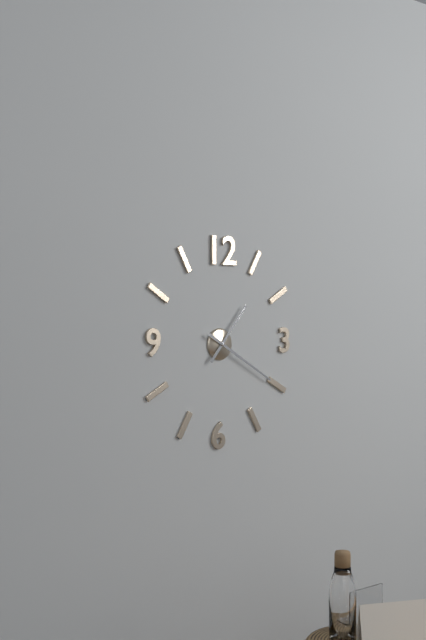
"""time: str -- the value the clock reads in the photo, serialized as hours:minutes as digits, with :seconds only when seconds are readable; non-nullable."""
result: 1:20
